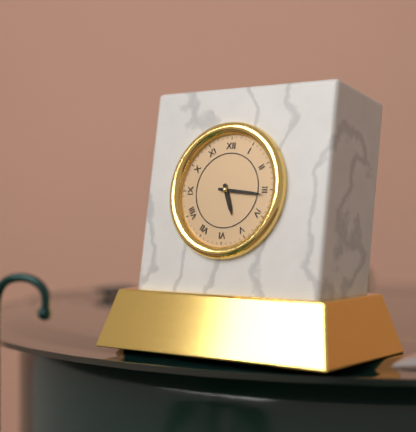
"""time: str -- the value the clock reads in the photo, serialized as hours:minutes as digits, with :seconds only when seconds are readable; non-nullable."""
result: 5:16
